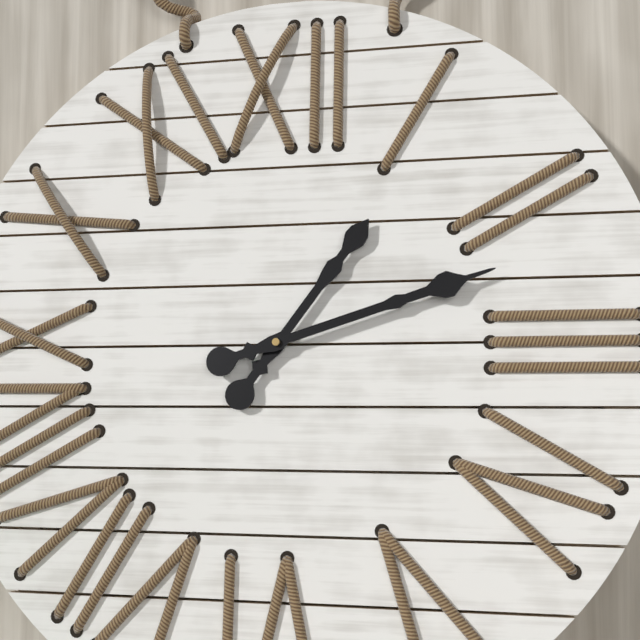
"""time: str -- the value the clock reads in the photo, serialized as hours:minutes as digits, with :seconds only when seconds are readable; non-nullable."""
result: 1:12
